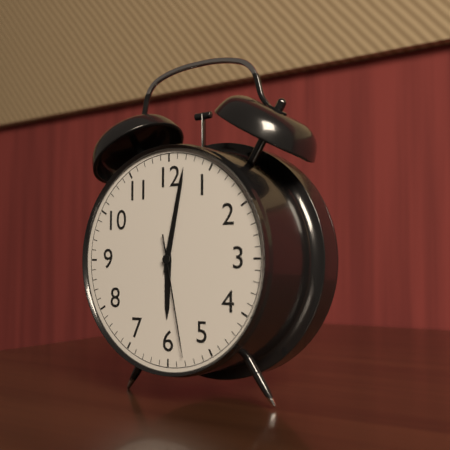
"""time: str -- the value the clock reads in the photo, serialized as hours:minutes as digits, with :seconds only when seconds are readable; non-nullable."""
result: 6:02:28
